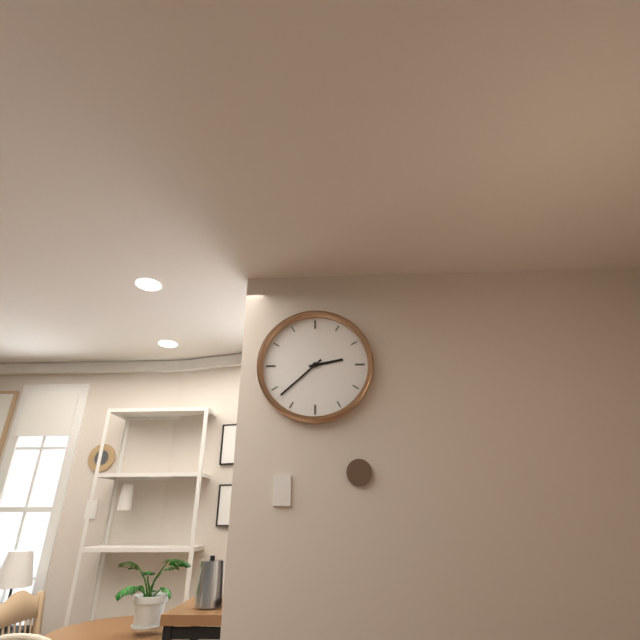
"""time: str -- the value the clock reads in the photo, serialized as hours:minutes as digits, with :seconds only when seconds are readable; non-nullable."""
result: 2:38
